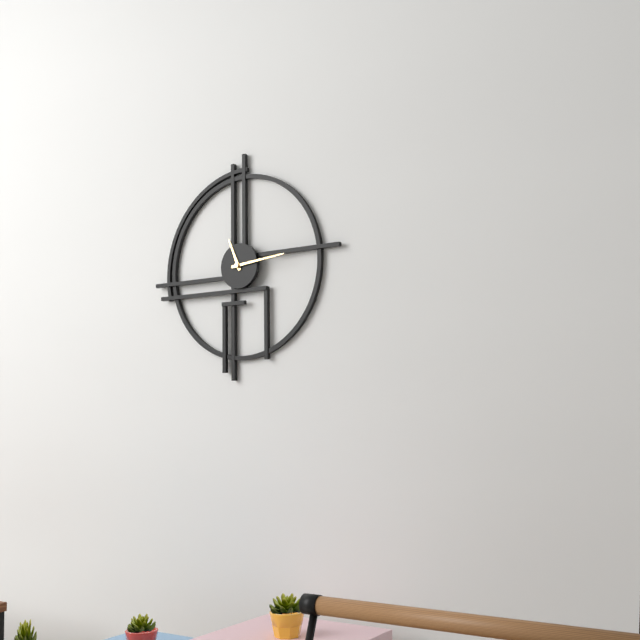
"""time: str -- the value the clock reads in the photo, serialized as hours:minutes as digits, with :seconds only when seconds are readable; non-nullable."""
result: 11:14
